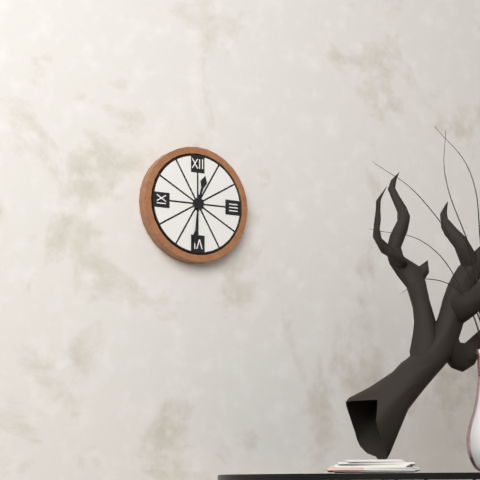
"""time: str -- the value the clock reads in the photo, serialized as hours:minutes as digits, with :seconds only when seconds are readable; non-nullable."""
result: 12:31
